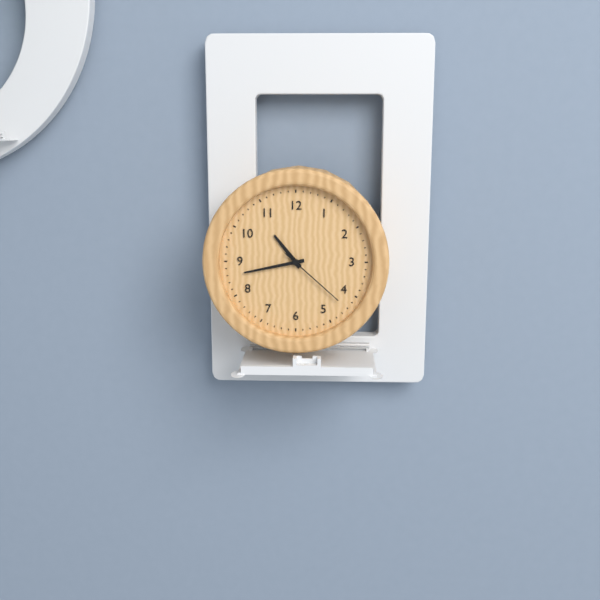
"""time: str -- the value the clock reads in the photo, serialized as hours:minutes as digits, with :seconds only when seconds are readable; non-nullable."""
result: 10:43:22
